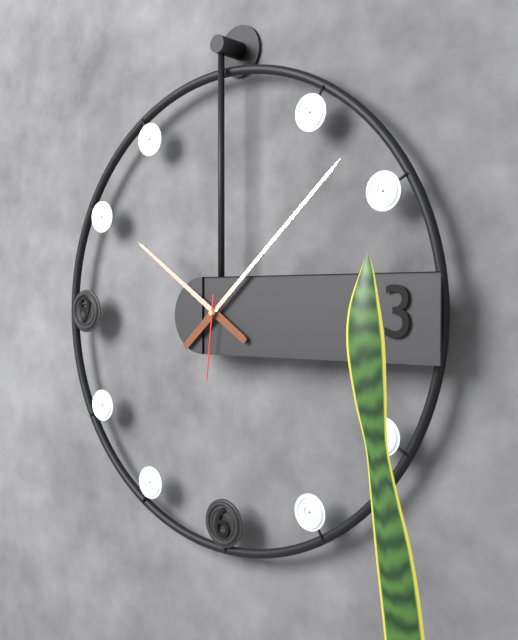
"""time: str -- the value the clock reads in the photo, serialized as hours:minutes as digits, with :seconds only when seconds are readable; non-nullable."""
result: 10:08:31
